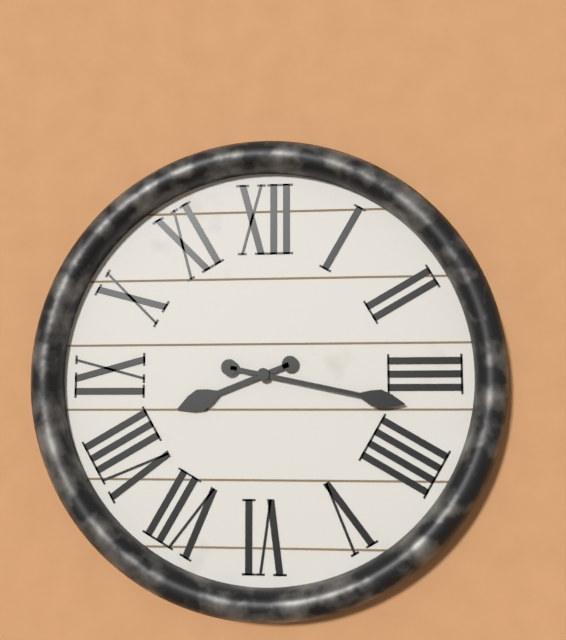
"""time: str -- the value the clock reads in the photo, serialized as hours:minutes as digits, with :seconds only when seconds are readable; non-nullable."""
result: 8:17
